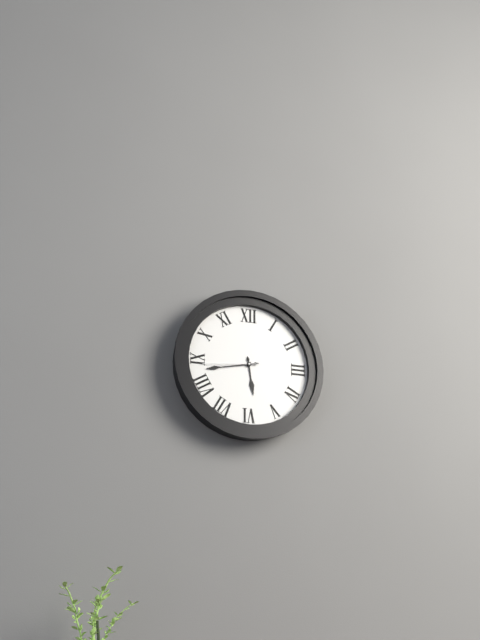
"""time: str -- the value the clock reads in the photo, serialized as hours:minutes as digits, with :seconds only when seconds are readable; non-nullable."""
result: 5:43:44
